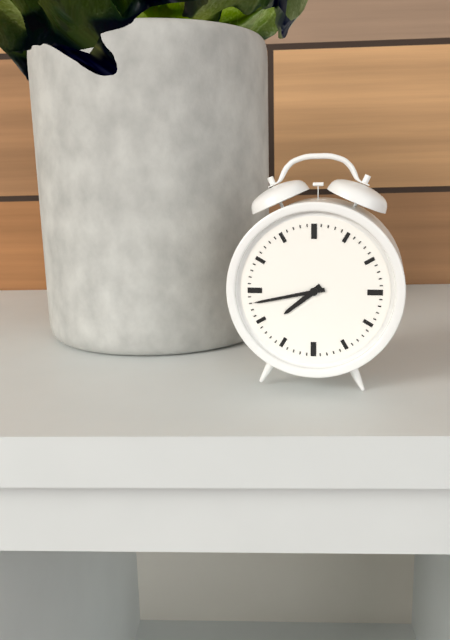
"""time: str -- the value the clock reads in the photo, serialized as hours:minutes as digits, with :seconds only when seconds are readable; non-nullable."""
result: 7:43
